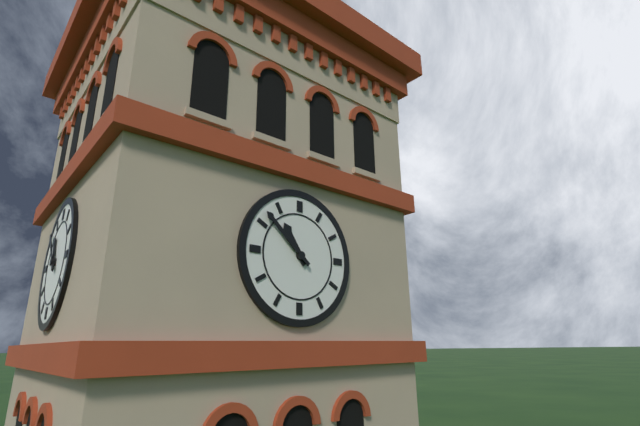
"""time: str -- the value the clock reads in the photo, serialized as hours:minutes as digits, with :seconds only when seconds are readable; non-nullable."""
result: 10:52
